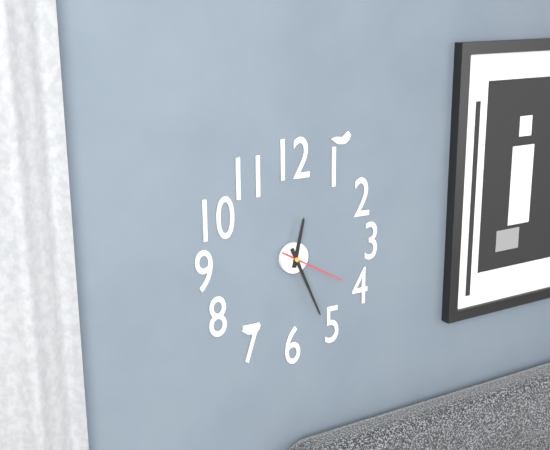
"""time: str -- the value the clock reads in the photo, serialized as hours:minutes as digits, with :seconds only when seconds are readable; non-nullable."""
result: 12:26:20
